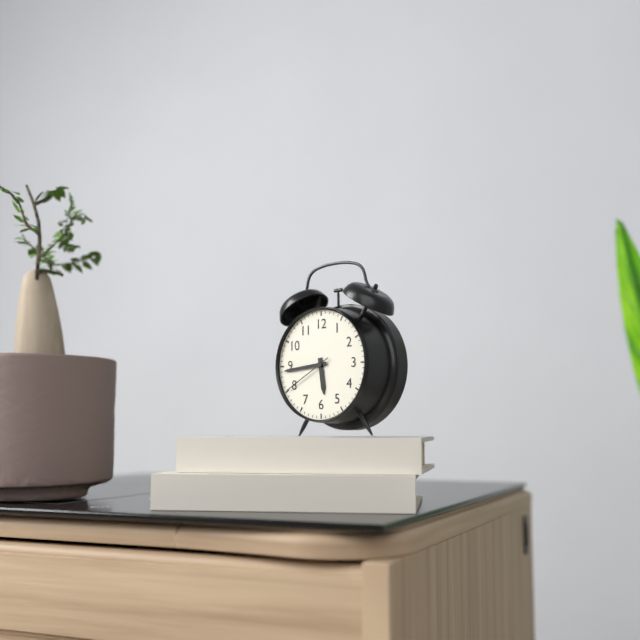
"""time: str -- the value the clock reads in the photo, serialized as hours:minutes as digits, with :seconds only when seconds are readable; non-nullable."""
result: 5:44:40
